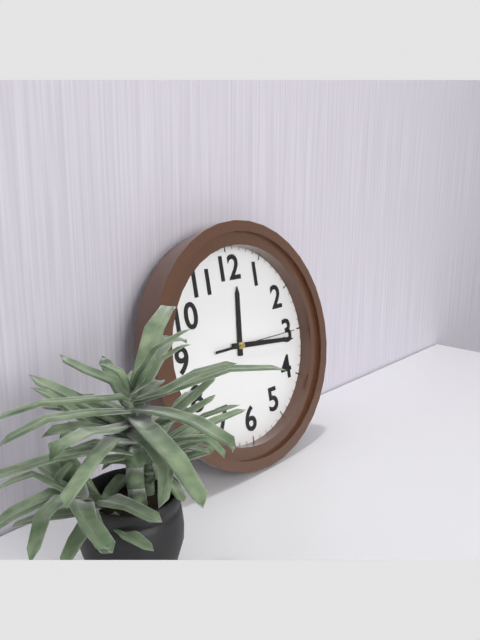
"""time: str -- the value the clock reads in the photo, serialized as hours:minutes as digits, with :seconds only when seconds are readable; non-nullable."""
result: 12:16:15
